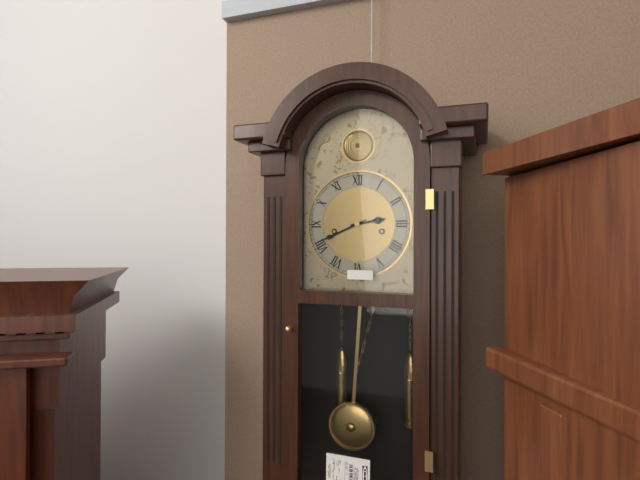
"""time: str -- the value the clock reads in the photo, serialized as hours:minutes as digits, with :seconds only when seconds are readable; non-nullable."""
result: 2:41
